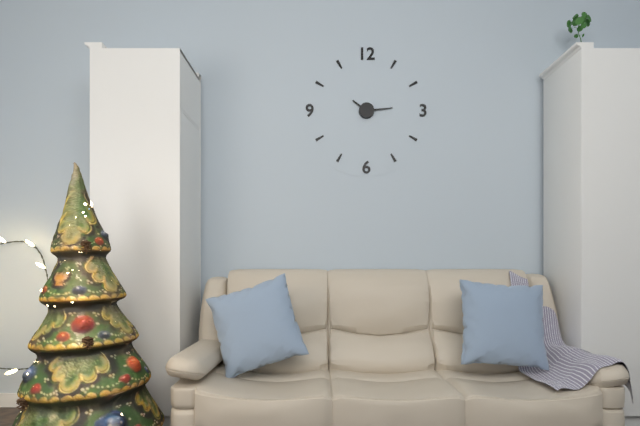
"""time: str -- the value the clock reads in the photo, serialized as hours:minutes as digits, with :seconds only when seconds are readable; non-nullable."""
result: 10:14
